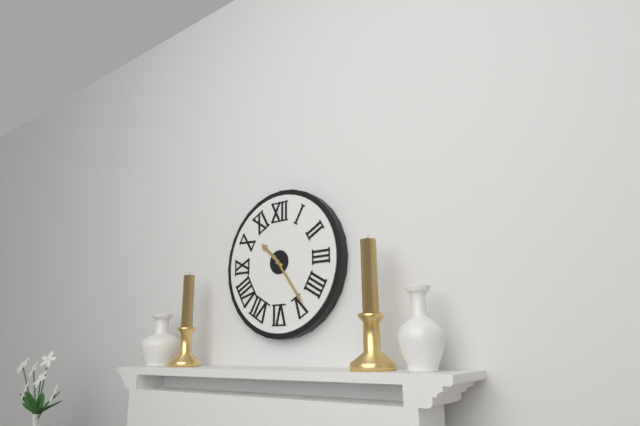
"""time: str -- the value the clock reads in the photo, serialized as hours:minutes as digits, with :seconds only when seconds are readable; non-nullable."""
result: 10:24
